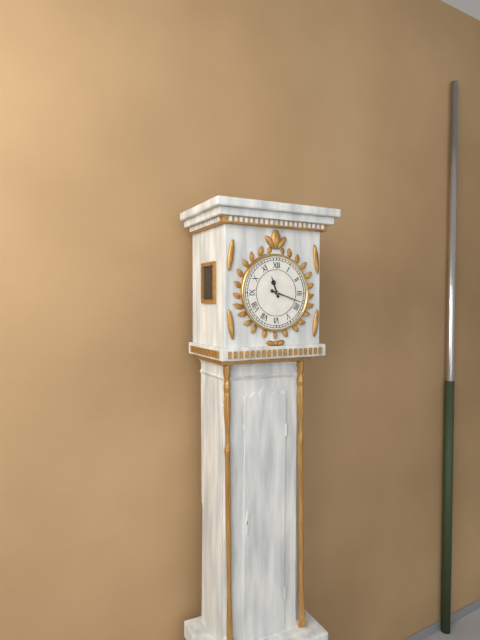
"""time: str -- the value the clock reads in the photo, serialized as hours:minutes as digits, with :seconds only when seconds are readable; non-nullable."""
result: 11:18
